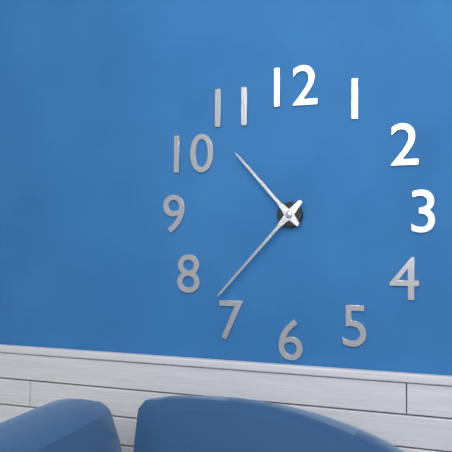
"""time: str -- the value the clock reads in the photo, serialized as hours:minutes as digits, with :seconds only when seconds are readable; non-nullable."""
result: 10:37
